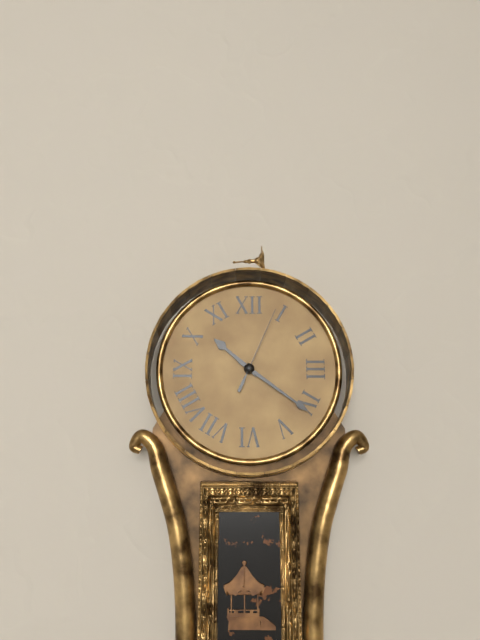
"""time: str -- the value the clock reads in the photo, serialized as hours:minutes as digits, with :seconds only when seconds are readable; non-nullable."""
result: 10:21:04
